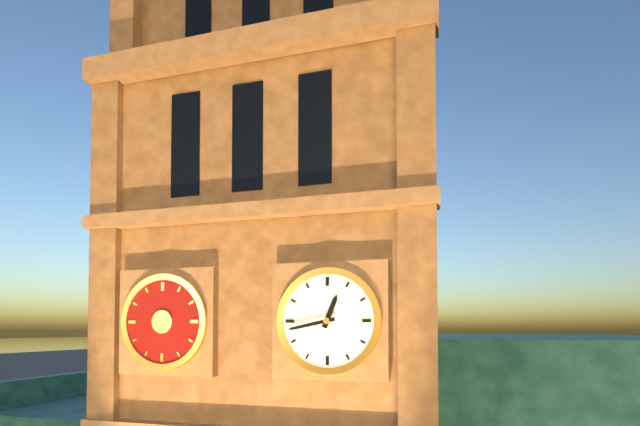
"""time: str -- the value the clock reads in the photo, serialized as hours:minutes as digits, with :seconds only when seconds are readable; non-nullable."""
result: 12:43
